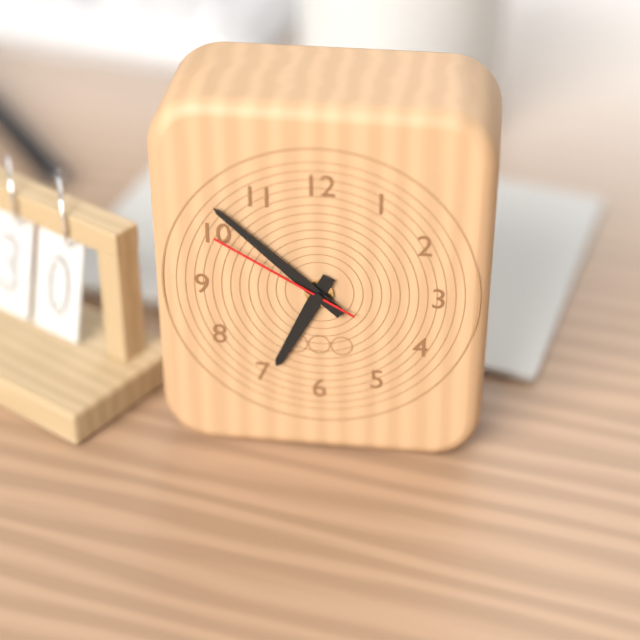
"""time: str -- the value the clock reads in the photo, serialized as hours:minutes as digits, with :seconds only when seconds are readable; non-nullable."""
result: 6:52:50
